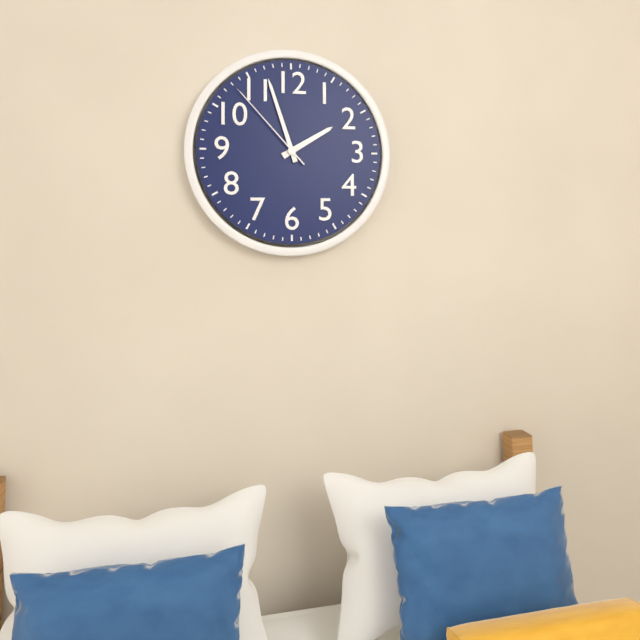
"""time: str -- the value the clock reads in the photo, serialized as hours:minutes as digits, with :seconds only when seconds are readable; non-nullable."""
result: 1:57:53
